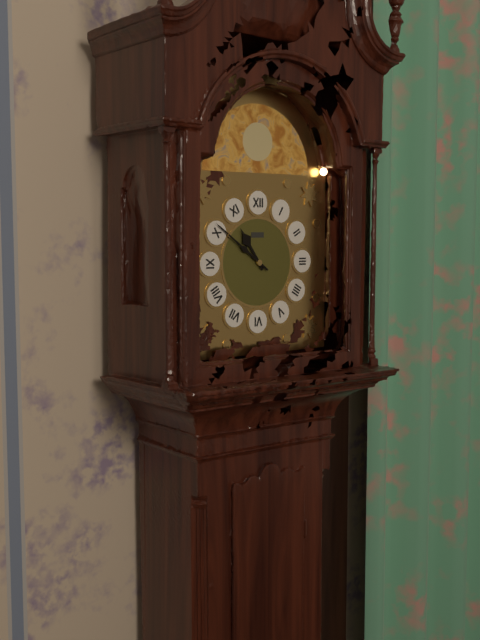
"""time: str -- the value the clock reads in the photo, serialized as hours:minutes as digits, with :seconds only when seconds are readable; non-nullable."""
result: 10:51
